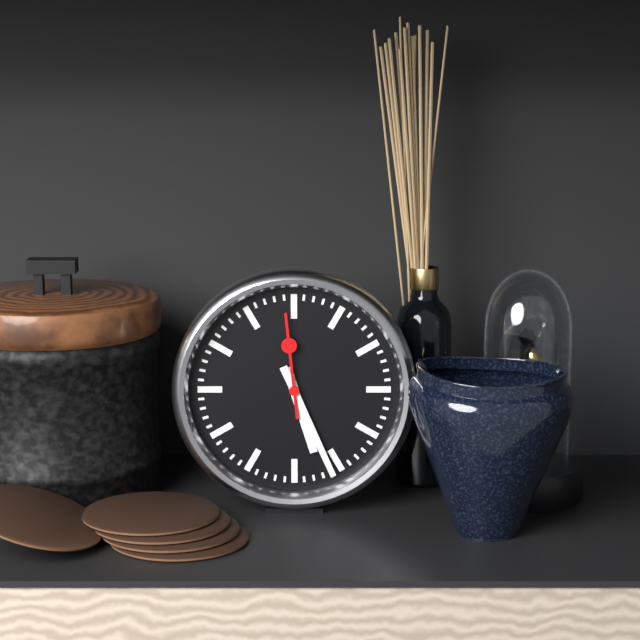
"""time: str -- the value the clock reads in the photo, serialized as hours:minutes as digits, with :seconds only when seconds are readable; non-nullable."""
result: 5:26:59
